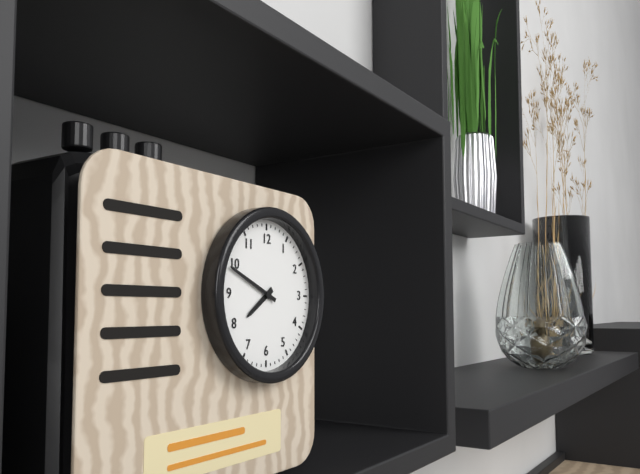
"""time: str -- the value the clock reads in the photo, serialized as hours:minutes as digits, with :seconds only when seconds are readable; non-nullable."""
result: 7:49
